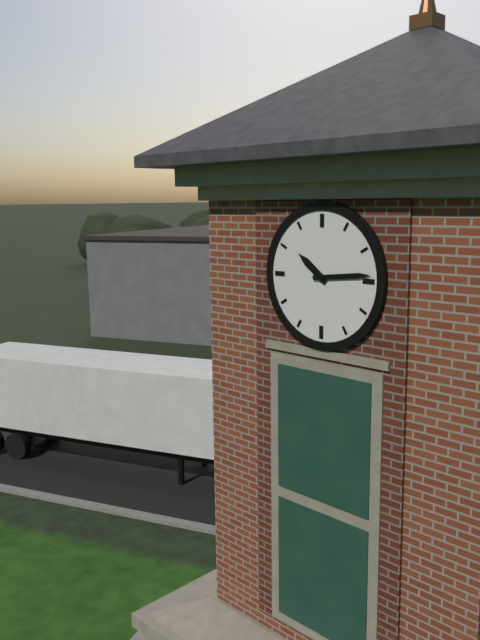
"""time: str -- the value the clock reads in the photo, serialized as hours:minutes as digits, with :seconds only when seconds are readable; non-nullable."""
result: 10:14
